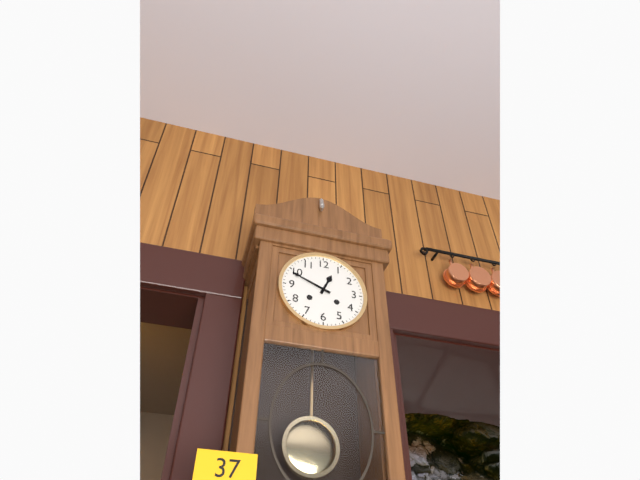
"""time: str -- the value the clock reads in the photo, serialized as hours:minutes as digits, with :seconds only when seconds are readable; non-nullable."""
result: 12:49
